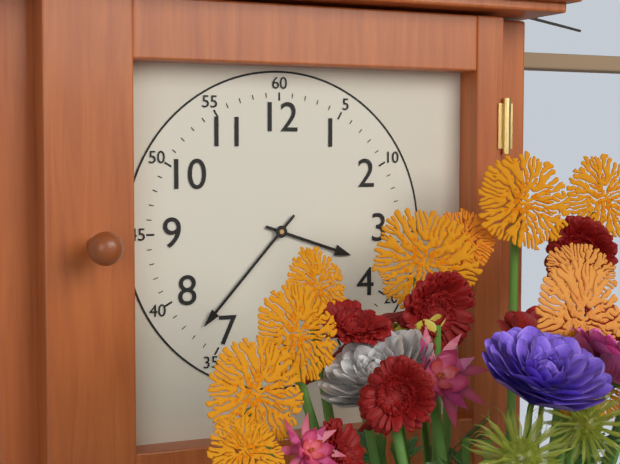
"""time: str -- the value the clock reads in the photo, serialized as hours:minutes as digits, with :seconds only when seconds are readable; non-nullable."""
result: 3:37
